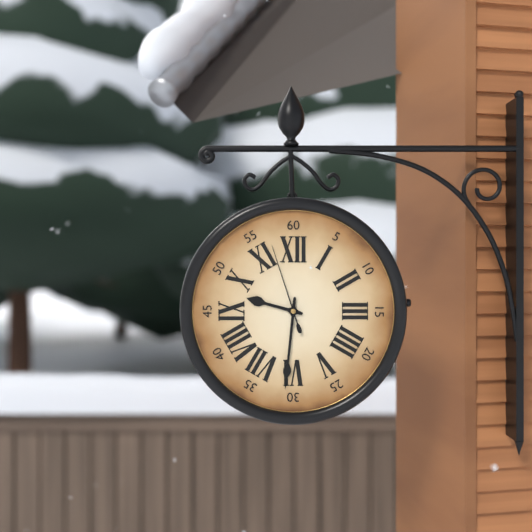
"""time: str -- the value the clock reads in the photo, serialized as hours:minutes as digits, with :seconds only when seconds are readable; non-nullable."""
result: 9:31:57
